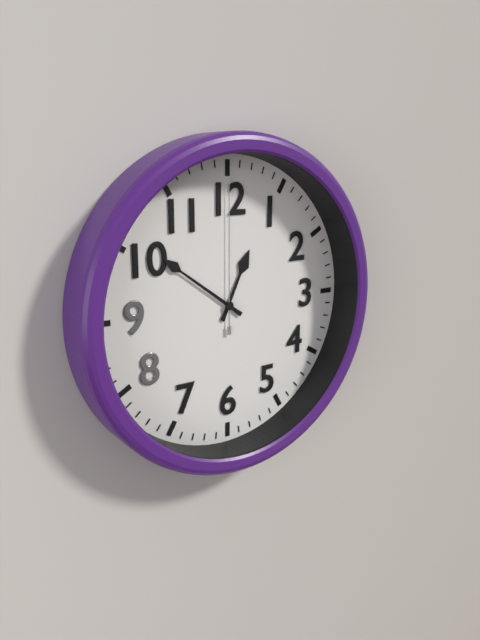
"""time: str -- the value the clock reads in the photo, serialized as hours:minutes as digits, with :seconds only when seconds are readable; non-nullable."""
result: 12:51:00
